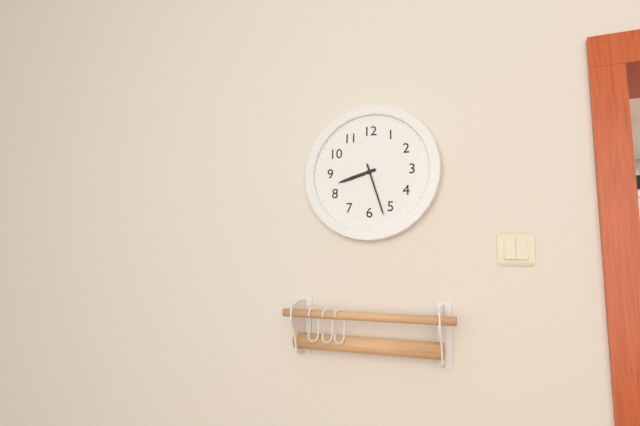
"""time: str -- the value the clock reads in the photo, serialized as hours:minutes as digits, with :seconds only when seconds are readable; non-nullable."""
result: 8:27
